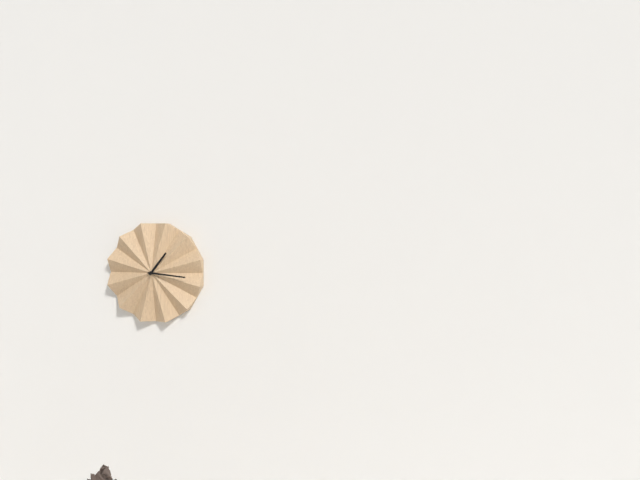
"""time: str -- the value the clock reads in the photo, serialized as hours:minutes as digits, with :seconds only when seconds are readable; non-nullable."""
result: 1:16
